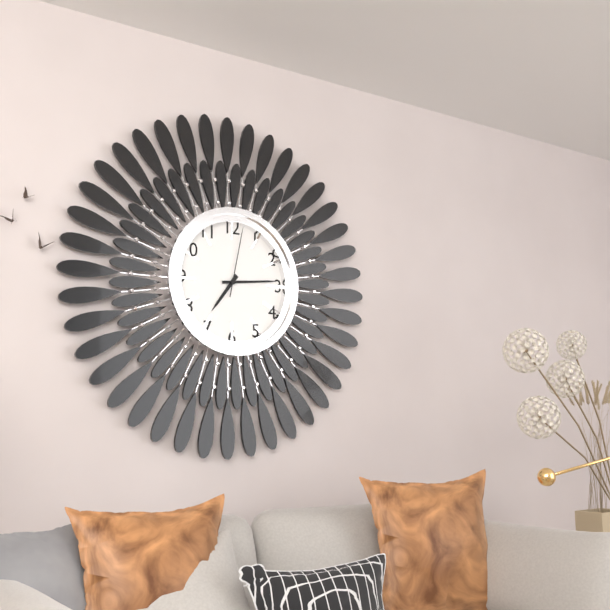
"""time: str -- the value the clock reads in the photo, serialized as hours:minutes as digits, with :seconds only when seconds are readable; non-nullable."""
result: 7:14:02
